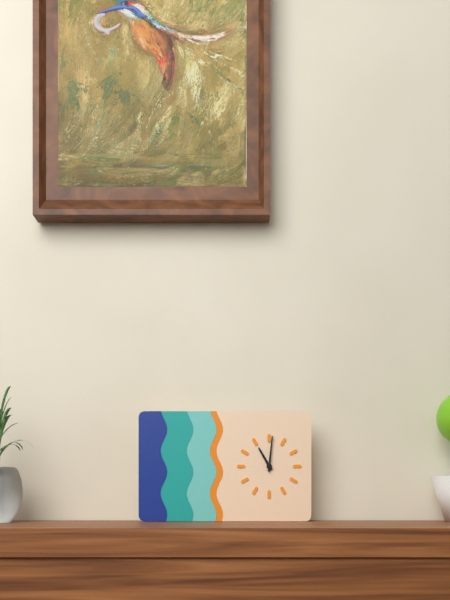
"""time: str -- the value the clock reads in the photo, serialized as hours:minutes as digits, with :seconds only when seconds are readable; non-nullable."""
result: 11:01
